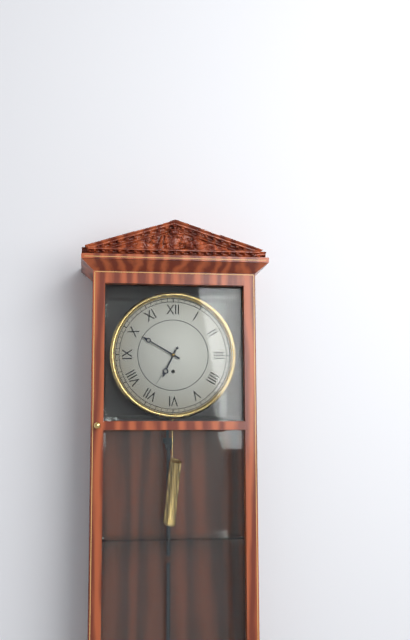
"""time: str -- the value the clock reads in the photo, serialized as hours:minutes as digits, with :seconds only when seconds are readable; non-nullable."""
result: 6:50
